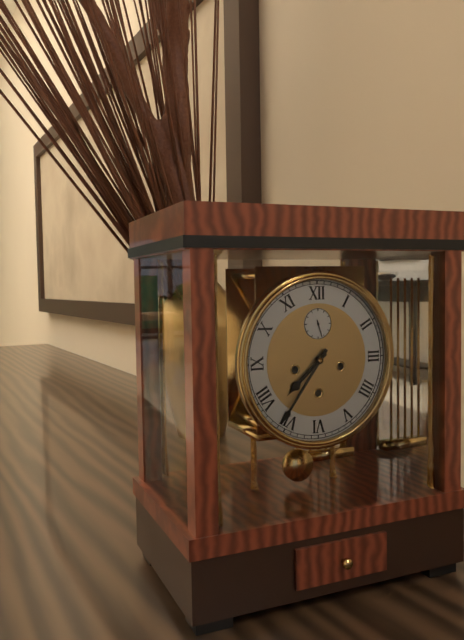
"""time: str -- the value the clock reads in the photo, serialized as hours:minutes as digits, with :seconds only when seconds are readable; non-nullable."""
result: 7:36
